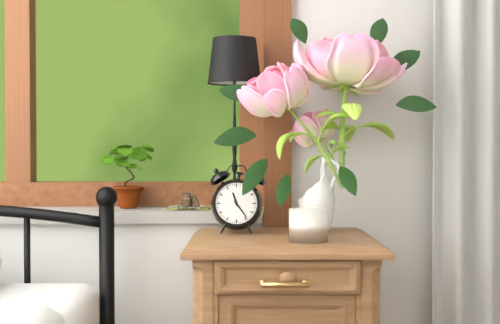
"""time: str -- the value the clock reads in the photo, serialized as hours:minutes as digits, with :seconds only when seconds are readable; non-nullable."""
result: 11:24
